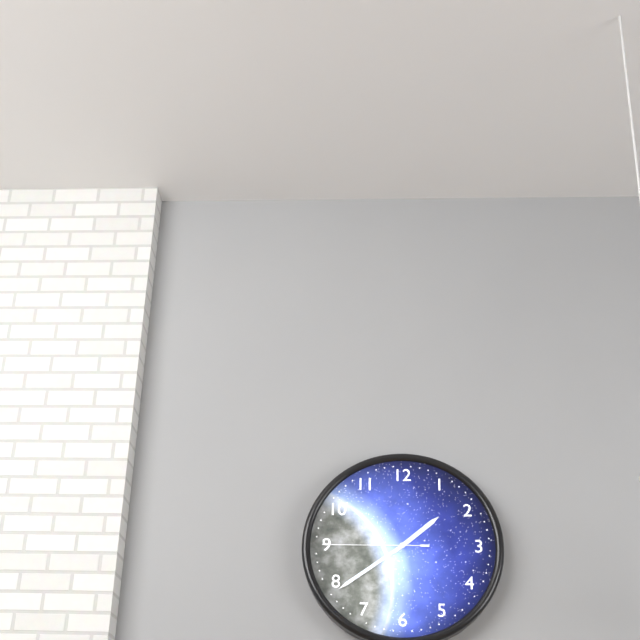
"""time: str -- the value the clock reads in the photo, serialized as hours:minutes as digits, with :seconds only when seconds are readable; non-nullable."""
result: 1:39:45
